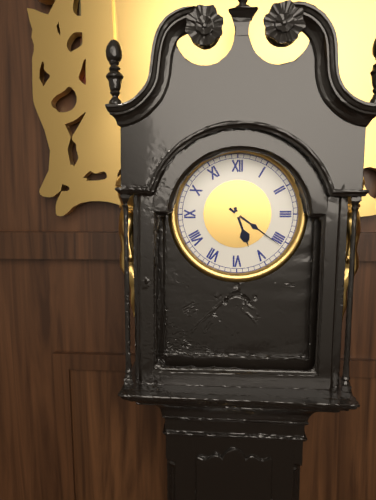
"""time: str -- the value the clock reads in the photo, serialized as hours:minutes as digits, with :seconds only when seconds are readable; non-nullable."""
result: 5:21
